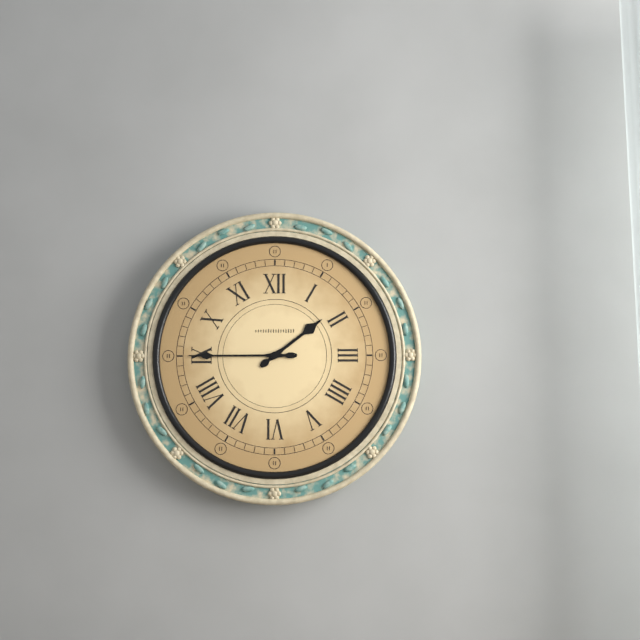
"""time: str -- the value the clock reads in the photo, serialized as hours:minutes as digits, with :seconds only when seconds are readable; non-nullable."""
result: 1:45
